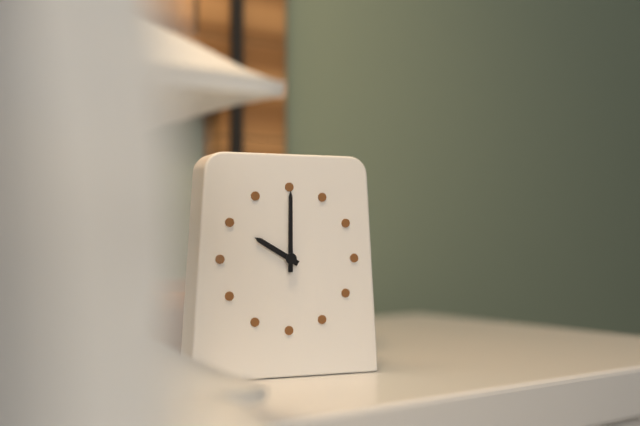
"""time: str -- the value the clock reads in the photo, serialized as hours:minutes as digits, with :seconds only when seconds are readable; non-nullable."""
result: 10:00
